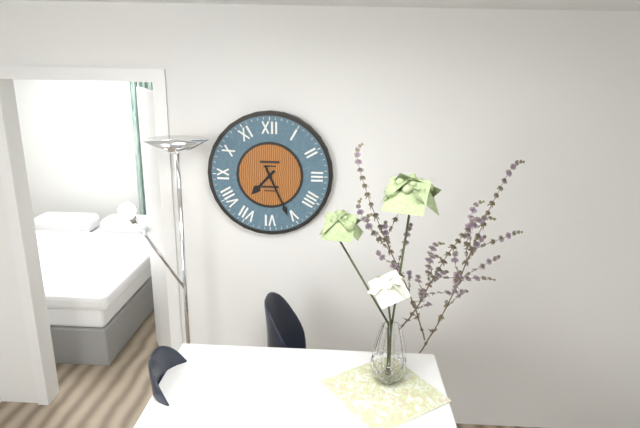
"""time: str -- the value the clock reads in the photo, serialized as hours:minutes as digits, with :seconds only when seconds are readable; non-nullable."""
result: 7:26
